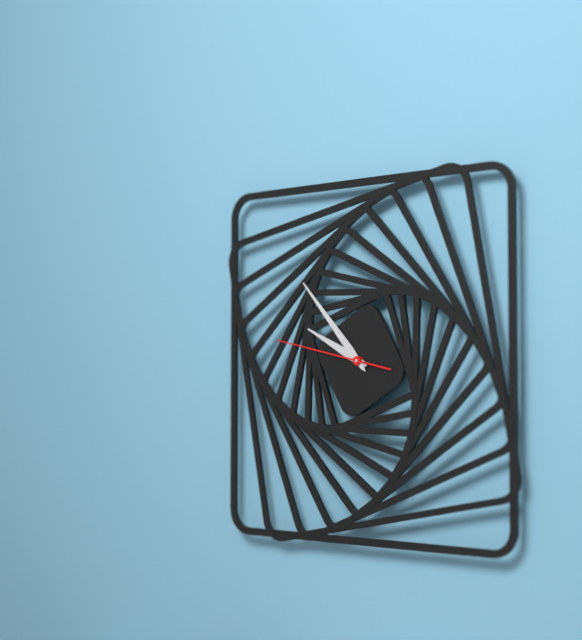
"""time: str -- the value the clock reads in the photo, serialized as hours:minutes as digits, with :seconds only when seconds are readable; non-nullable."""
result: 9:53:47
